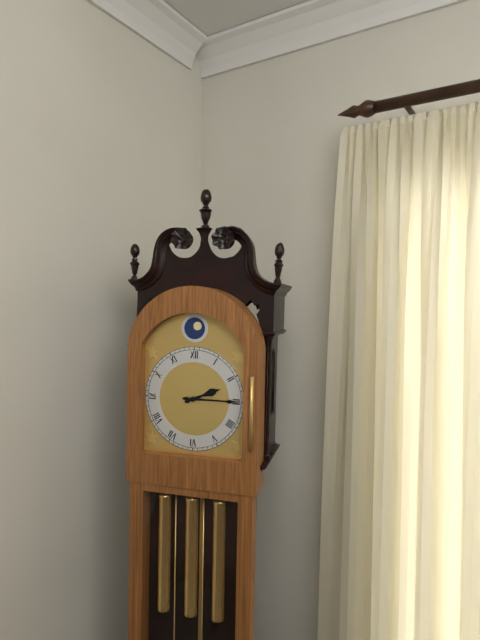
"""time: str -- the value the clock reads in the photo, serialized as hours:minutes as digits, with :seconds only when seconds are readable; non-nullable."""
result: 2:15
